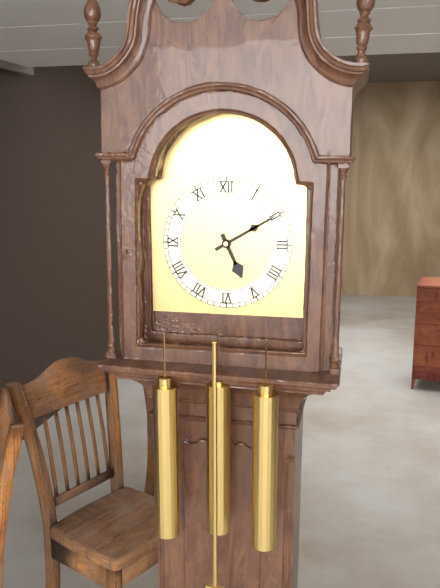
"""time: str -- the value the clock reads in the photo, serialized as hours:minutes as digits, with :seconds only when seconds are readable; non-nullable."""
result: 5:10
